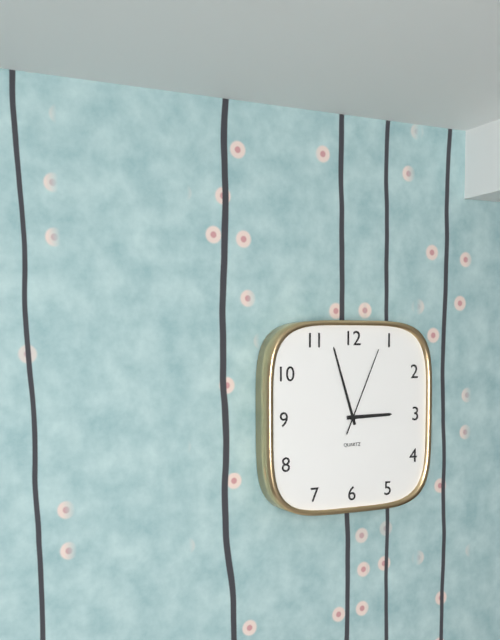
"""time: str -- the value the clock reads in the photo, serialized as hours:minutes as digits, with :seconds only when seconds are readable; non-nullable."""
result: 2:57:04
